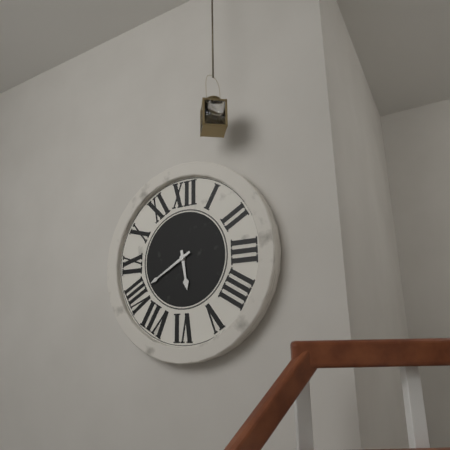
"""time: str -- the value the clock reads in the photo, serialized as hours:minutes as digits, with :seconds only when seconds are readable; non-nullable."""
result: 5:40
